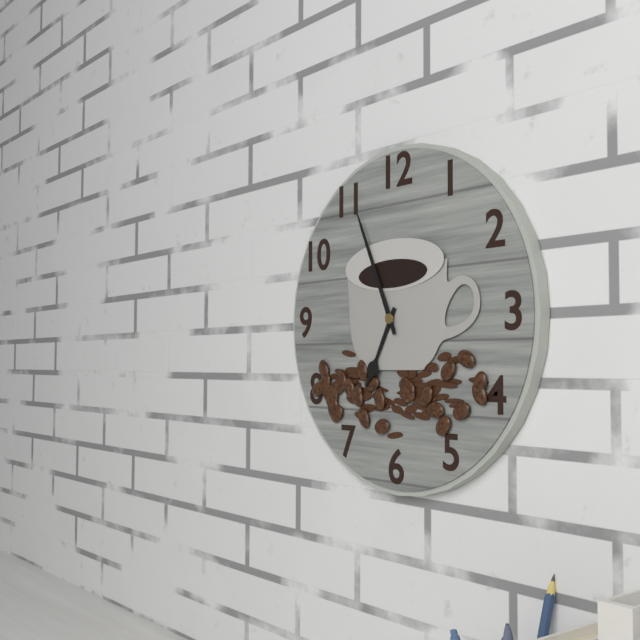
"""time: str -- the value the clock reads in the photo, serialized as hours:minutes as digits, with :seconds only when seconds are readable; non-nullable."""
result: 6:56
